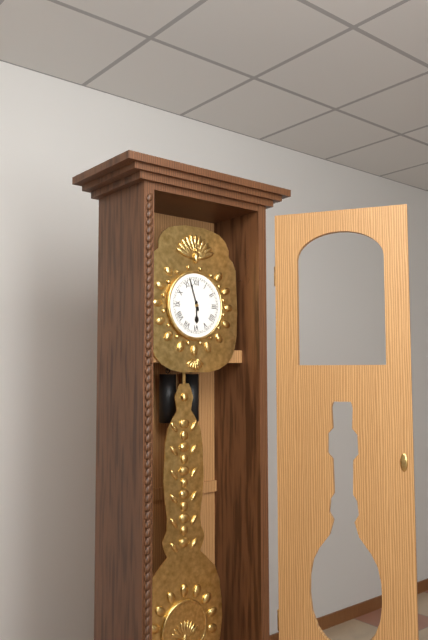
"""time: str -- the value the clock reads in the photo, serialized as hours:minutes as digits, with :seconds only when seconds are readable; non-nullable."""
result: 5:57
